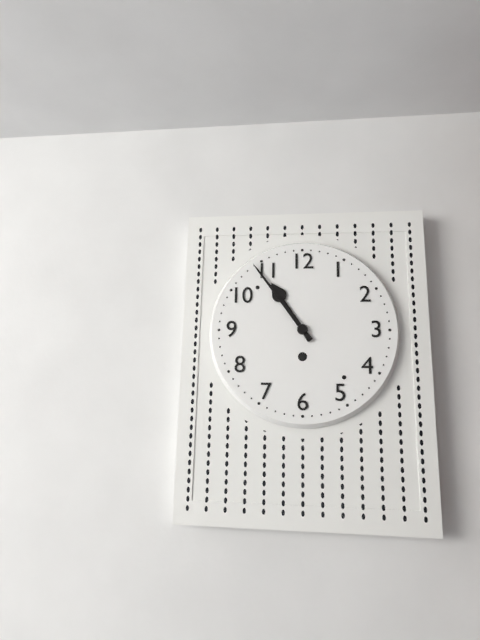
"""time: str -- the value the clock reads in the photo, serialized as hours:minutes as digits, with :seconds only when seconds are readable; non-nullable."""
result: 10:54
